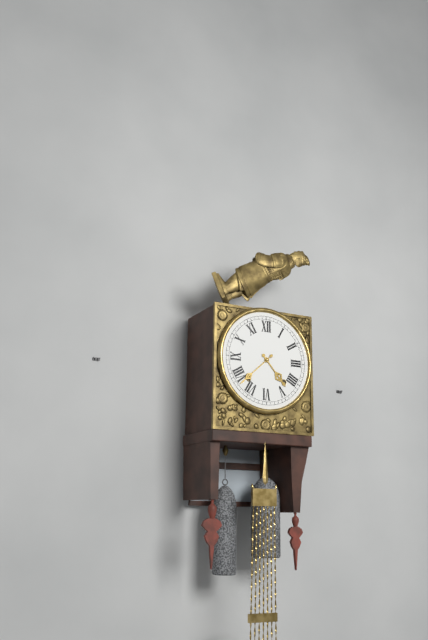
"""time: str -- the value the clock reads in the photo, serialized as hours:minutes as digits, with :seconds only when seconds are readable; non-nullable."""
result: 4:38
